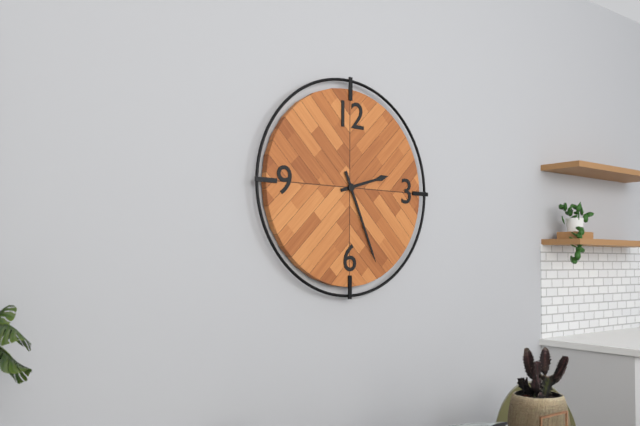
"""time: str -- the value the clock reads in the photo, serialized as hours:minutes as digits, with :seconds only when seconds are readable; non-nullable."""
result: 2:26
